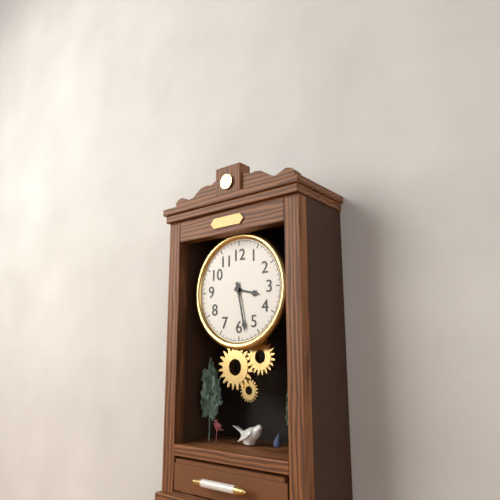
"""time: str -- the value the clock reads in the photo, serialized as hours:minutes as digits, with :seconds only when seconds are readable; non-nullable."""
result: 3:28
